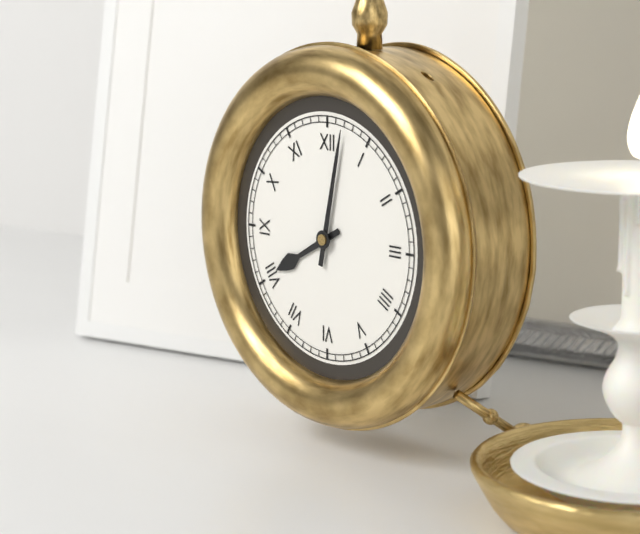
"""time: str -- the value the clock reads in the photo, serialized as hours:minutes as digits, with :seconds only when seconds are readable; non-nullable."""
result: 8:02
